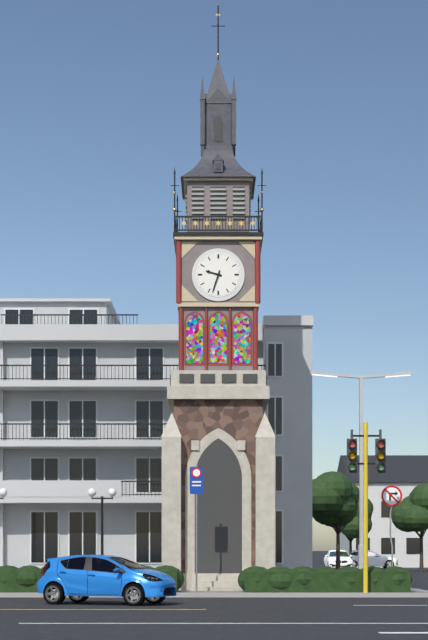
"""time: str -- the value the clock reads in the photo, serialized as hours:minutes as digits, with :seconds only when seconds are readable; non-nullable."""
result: 9:33
